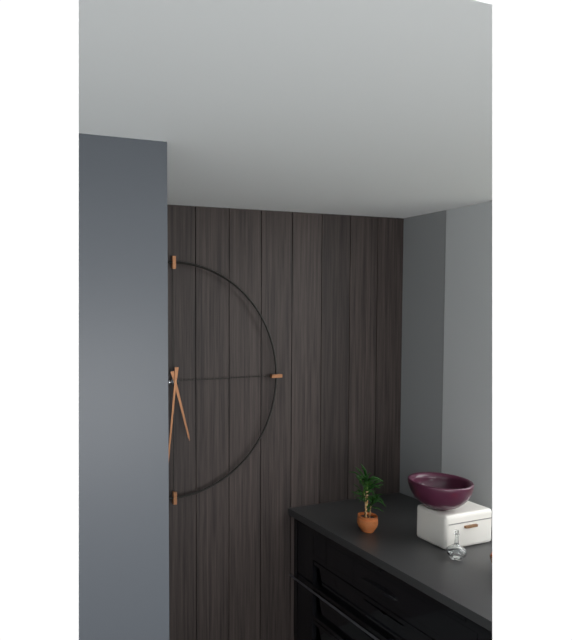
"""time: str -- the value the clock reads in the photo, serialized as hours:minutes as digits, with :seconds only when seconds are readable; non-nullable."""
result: 5:31
